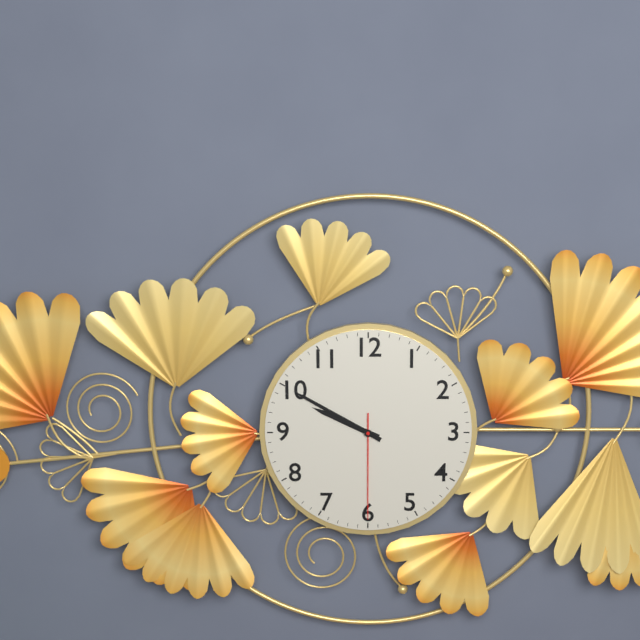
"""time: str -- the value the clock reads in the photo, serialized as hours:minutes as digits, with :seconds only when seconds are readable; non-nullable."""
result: 9:50:30
